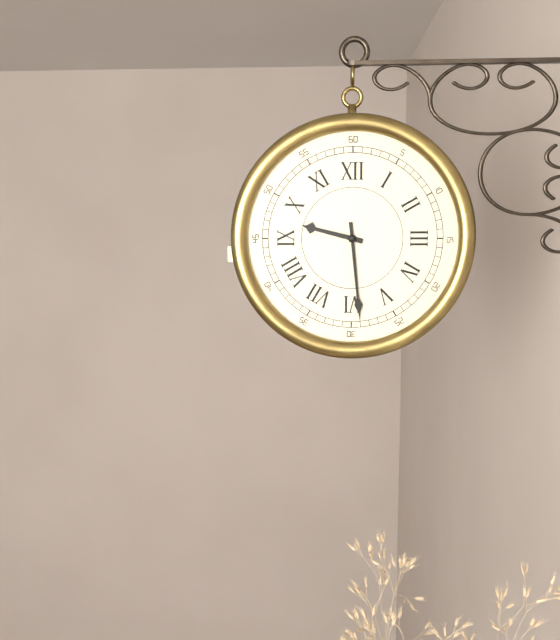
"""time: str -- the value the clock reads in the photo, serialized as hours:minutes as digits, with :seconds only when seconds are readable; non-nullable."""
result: 9:29
